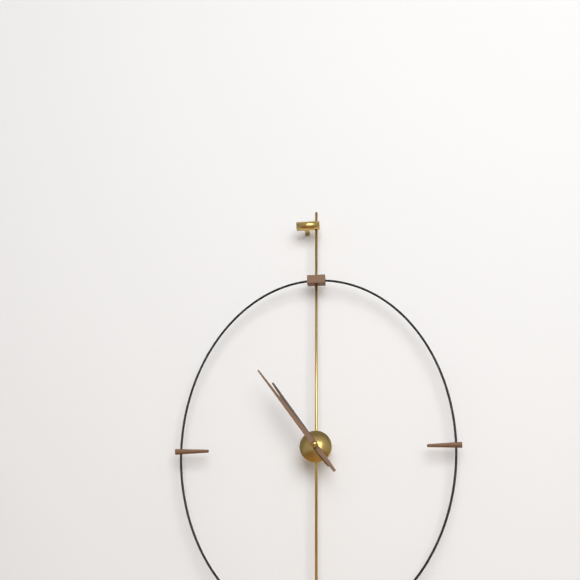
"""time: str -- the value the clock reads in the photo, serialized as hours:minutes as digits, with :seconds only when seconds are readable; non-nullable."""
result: 10:54
